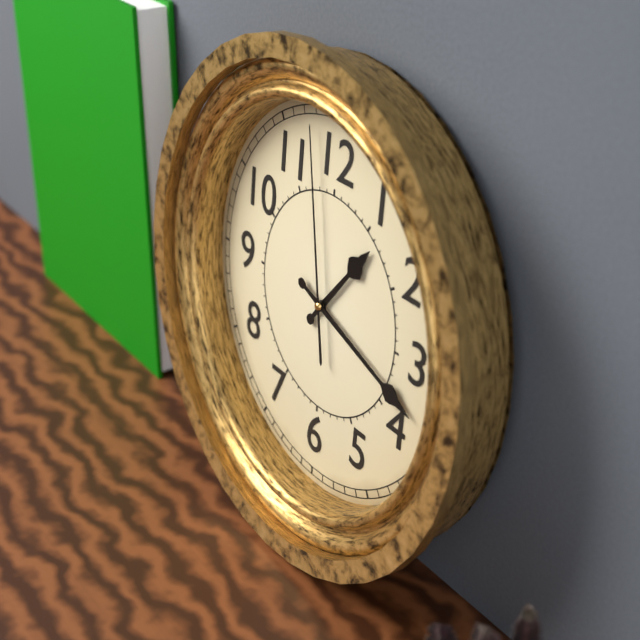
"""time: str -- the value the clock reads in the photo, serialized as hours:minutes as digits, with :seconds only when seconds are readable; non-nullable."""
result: 1:18:58
